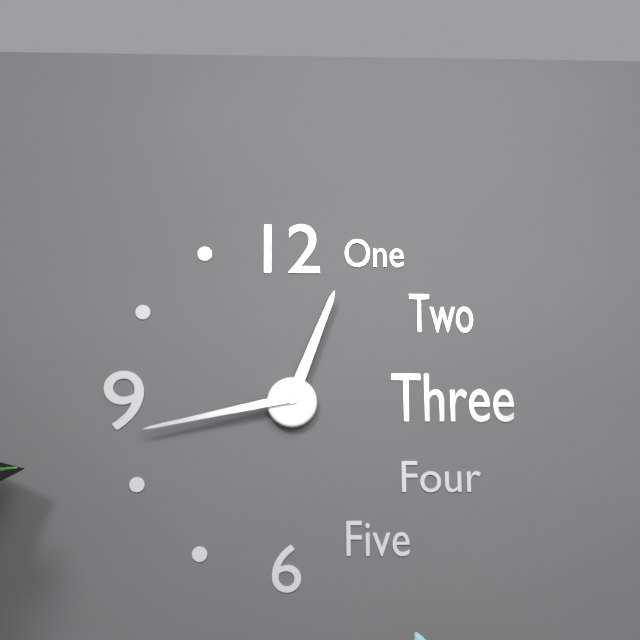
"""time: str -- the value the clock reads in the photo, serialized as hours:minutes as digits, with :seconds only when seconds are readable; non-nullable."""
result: 12:43
